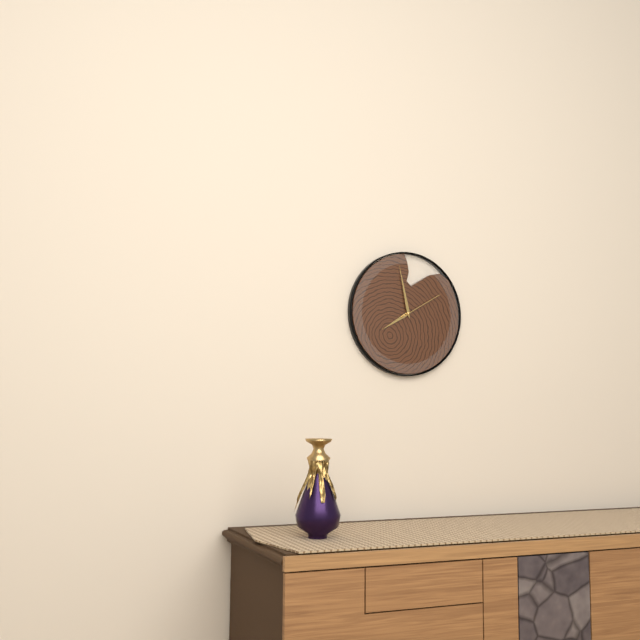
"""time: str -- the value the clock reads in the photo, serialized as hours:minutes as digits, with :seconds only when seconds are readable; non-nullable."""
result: 7:58
